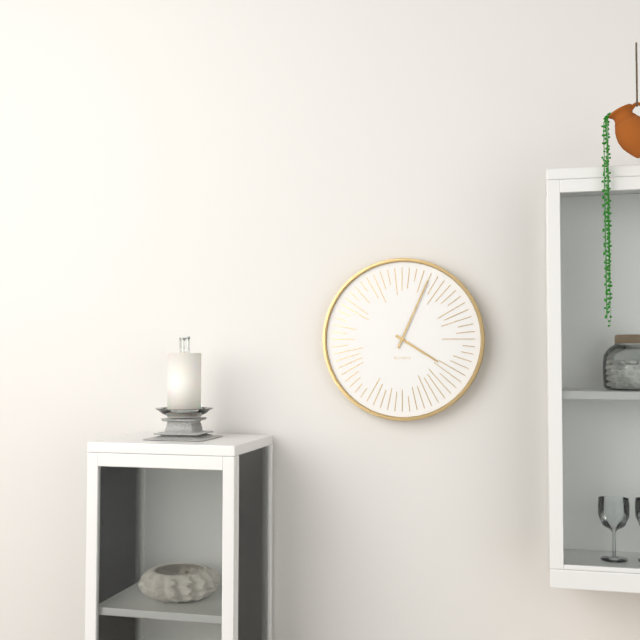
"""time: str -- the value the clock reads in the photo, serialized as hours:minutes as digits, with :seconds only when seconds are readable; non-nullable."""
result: 4:04
